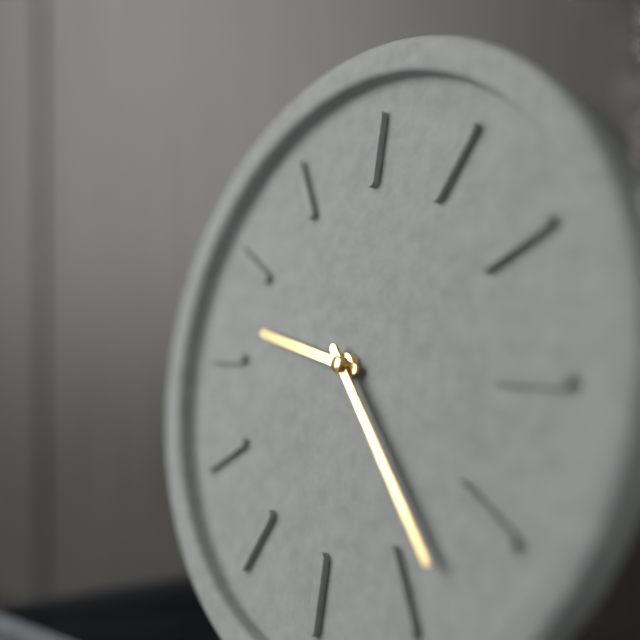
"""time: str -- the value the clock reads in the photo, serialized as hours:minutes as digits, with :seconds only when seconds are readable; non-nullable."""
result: 9:23
